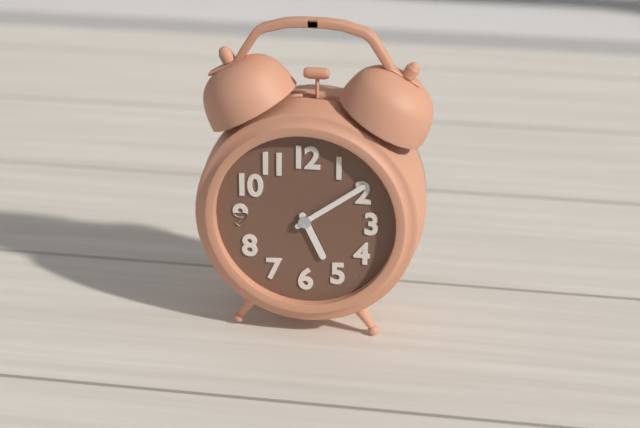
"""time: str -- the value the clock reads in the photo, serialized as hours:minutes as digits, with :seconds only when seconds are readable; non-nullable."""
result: 5:09
